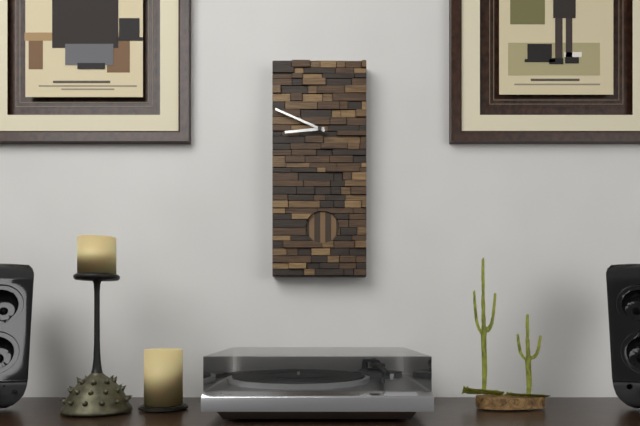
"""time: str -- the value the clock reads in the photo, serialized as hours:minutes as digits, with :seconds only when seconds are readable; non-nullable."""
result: 8:49
